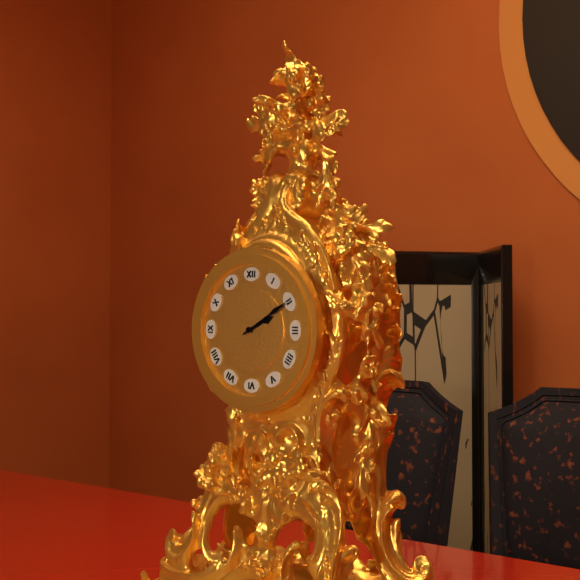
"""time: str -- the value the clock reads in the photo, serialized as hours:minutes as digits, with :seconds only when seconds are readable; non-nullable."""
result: 2:10
